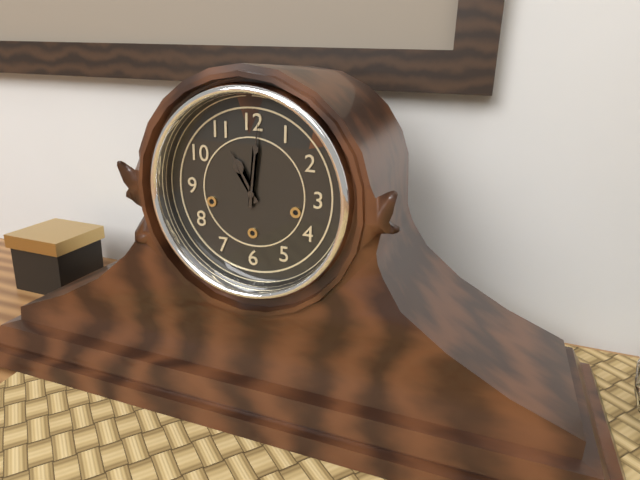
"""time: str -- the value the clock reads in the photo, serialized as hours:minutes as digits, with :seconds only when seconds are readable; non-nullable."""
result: 11:01
